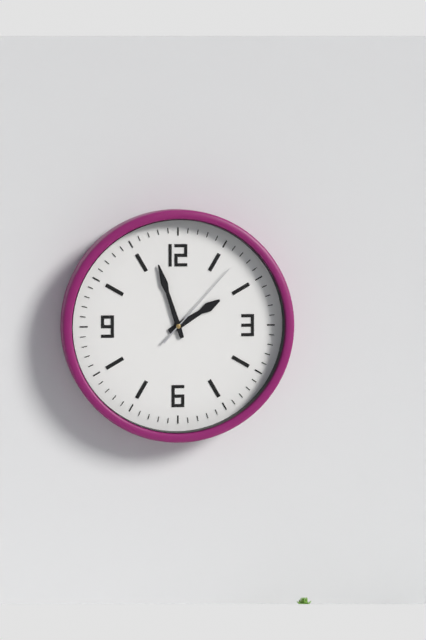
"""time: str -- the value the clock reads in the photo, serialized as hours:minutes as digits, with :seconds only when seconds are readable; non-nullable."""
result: 1:57:07
